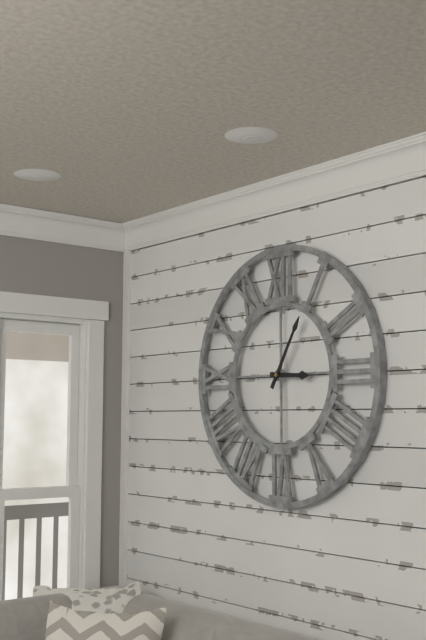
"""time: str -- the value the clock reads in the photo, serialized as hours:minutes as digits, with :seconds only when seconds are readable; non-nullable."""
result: 3:05
